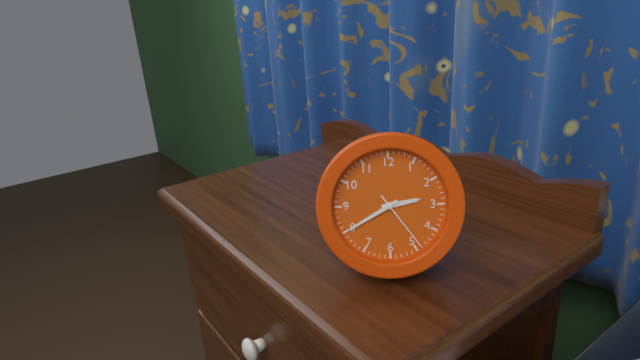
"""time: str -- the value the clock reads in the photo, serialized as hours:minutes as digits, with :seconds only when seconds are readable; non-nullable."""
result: 2:40:24
